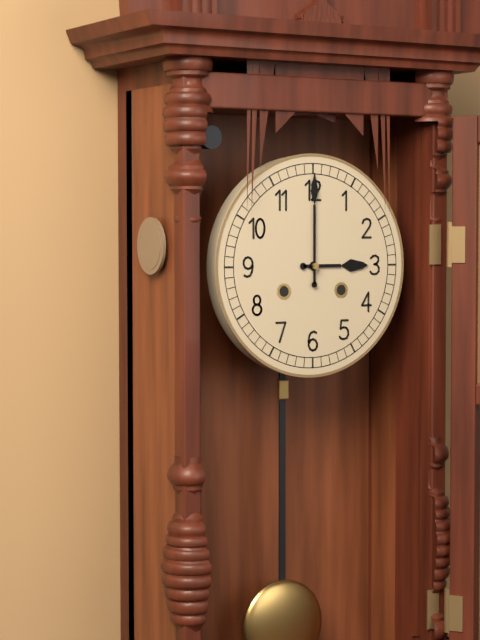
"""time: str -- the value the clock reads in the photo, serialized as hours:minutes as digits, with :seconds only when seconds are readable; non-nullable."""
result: 3:00
